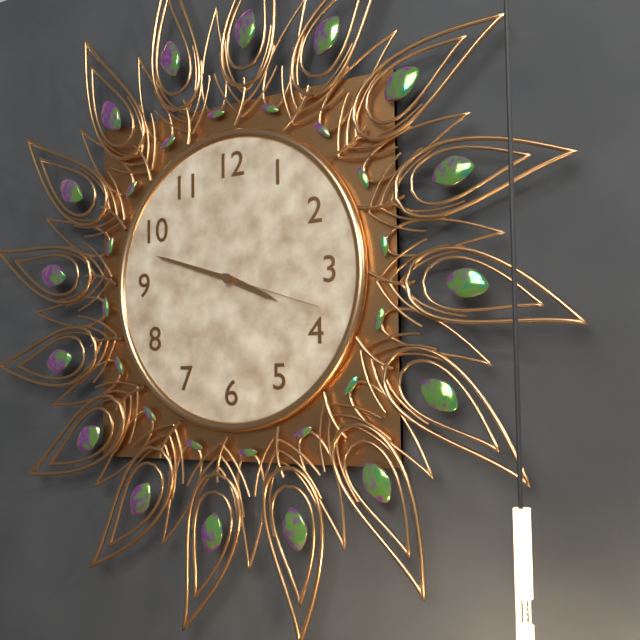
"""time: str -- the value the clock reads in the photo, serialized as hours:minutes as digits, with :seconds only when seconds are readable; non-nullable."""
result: 3:48:18
